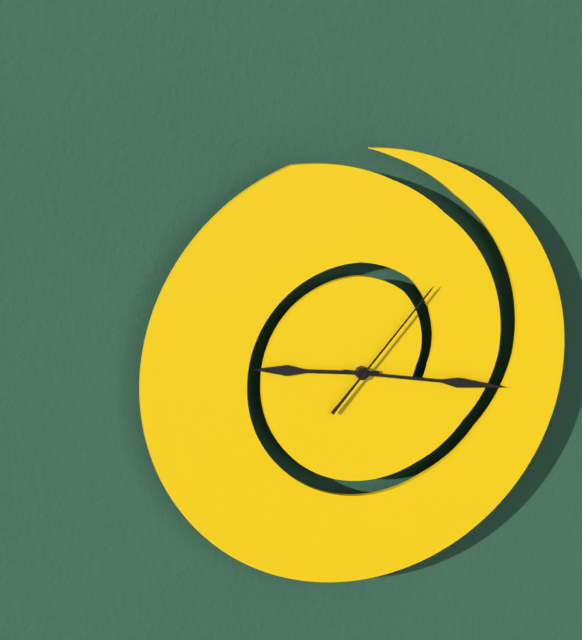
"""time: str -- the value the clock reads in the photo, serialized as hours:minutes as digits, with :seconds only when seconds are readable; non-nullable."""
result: 9:17:07
